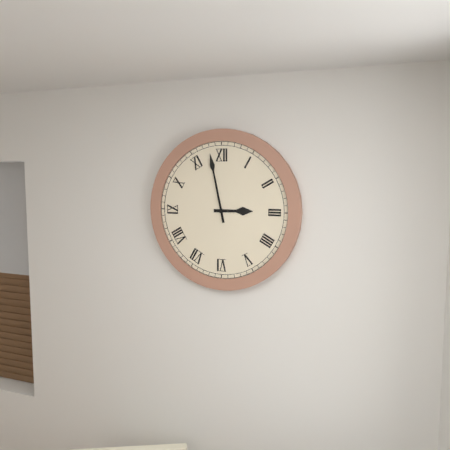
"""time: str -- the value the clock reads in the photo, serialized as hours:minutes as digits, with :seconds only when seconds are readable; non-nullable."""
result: 2:58
